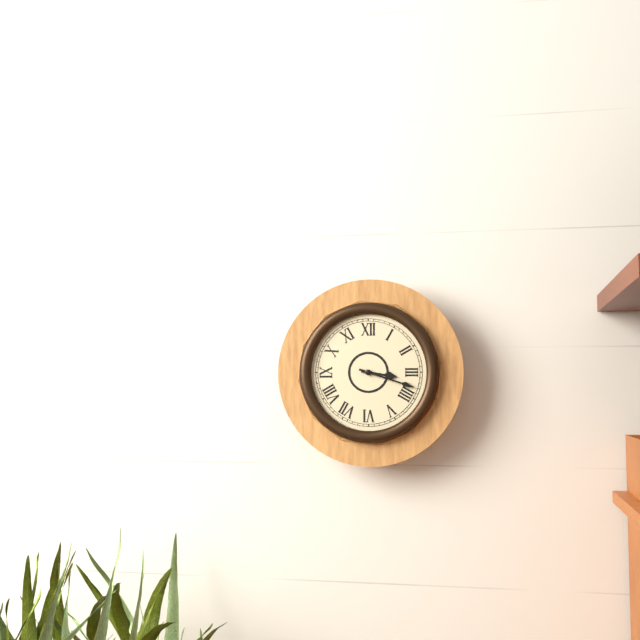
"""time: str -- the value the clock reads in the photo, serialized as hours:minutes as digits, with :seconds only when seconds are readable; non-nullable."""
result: 3:18
